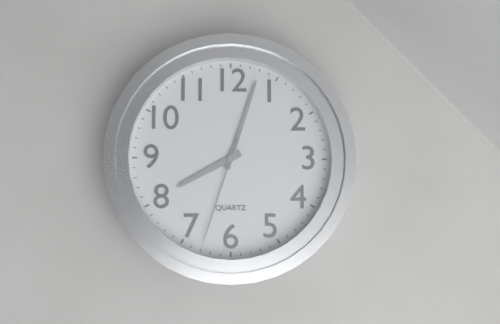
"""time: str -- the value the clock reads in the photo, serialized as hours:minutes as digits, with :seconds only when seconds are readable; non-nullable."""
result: 8:03:33
